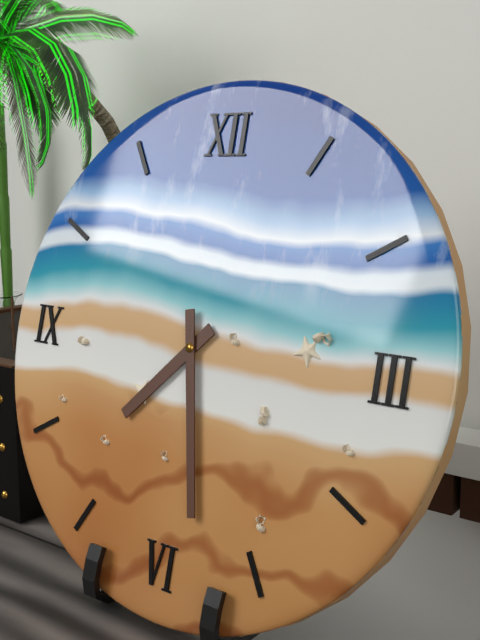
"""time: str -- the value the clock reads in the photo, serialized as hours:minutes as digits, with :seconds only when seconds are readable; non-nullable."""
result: 7:28
